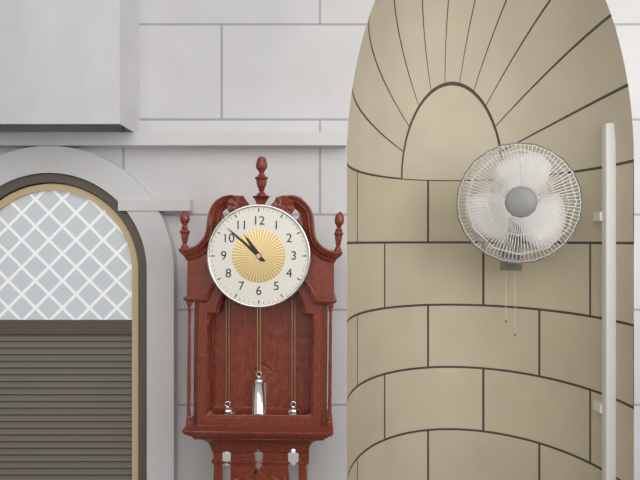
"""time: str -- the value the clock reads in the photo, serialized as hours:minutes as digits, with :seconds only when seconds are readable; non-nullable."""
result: 10:52
